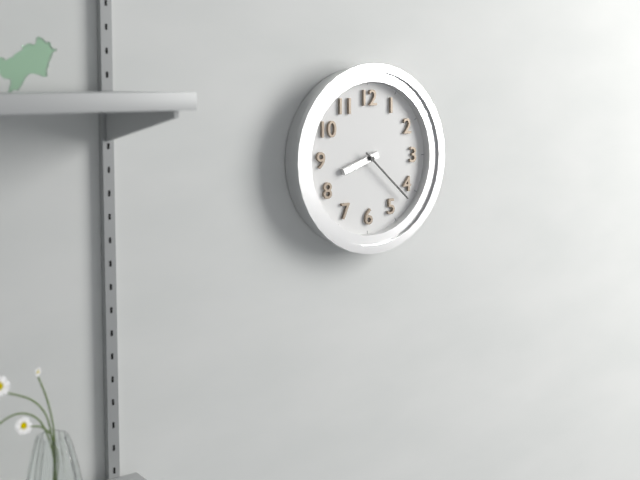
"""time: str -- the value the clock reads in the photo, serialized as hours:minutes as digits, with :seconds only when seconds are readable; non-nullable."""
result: 8:22
